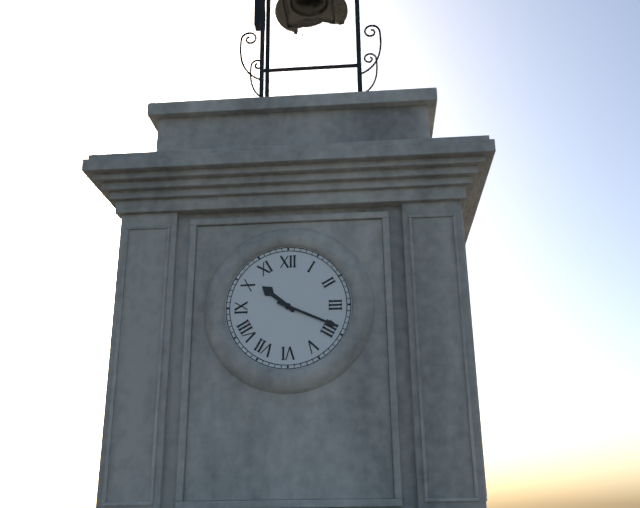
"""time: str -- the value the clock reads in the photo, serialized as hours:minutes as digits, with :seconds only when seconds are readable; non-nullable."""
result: 10:19
